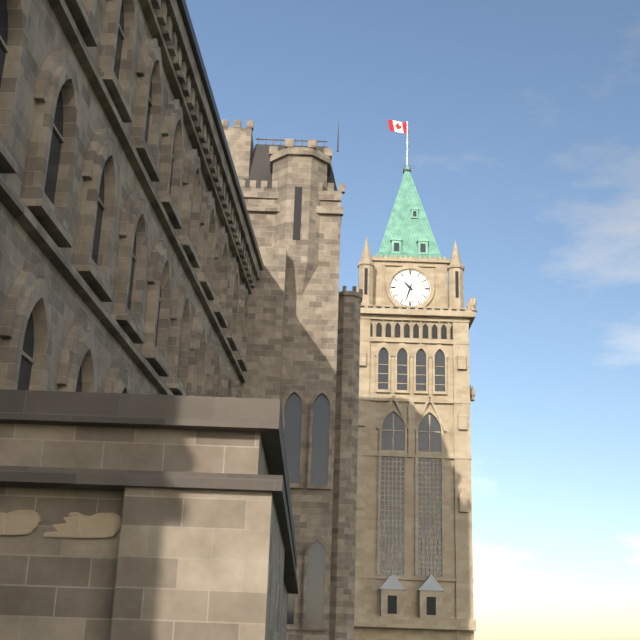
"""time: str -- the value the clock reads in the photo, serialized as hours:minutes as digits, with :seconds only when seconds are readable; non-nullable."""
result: 10:33
